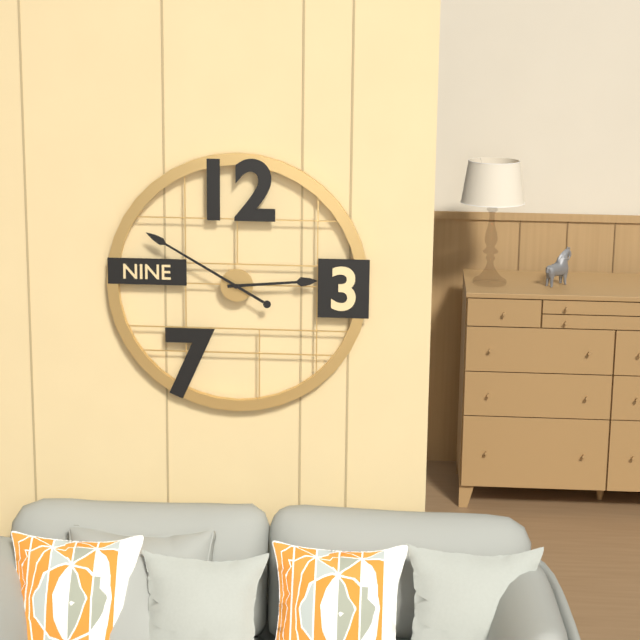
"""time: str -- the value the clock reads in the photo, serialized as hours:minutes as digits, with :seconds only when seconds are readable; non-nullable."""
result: 2:50
